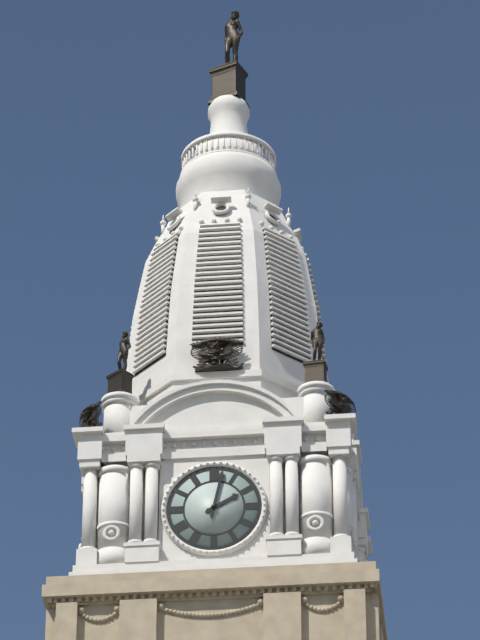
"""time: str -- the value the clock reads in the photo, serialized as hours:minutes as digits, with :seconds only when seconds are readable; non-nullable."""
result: 2:02
